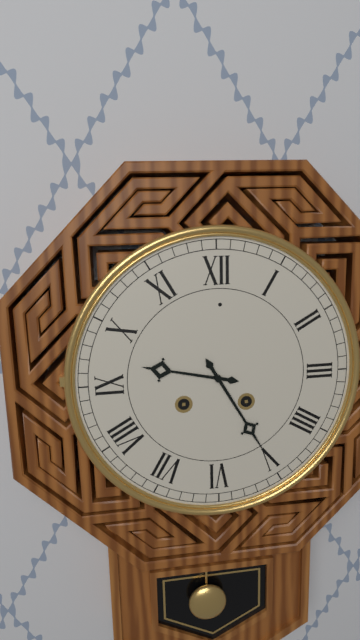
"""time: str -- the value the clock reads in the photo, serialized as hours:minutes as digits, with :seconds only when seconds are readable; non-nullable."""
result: 9:25
